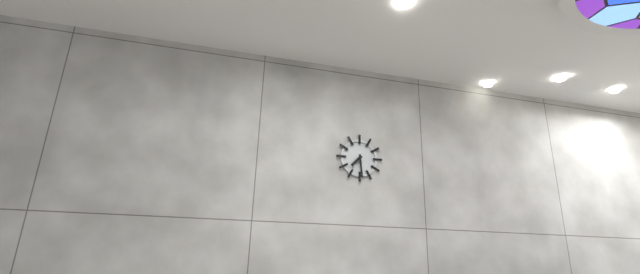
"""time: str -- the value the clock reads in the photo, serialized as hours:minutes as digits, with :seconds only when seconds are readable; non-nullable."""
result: 7:29
